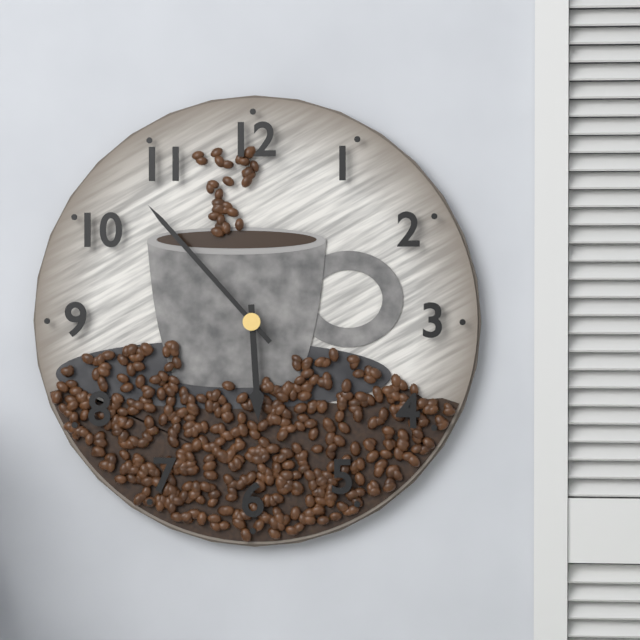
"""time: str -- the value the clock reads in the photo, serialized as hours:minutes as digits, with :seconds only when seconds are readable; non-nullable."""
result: 5:53
